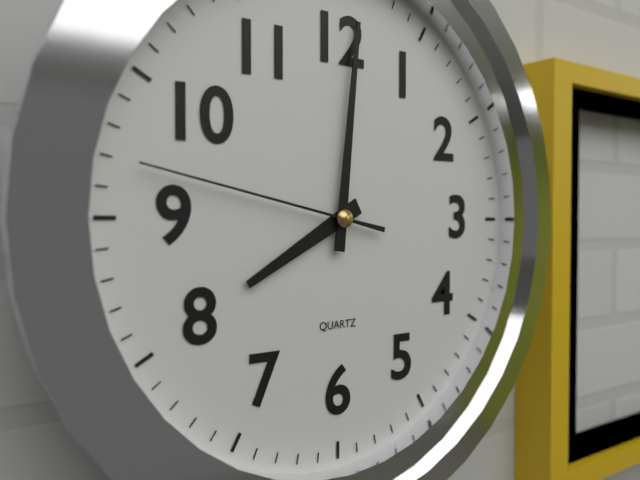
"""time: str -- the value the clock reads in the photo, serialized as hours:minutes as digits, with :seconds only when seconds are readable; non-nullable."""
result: 8:01:47
